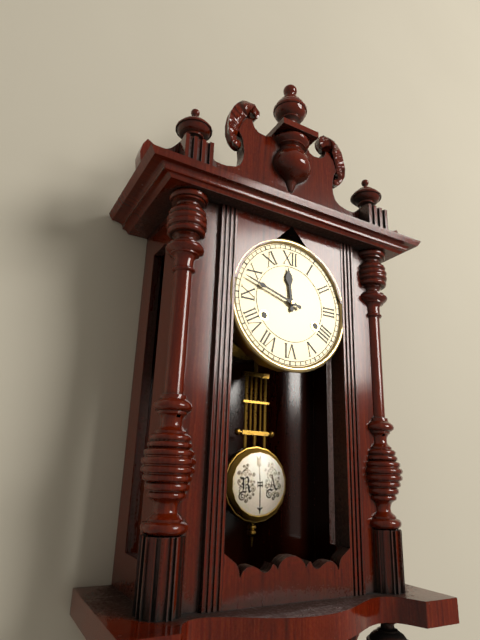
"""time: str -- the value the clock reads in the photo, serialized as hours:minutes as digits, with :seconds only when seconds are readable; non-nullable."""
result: 11:48
